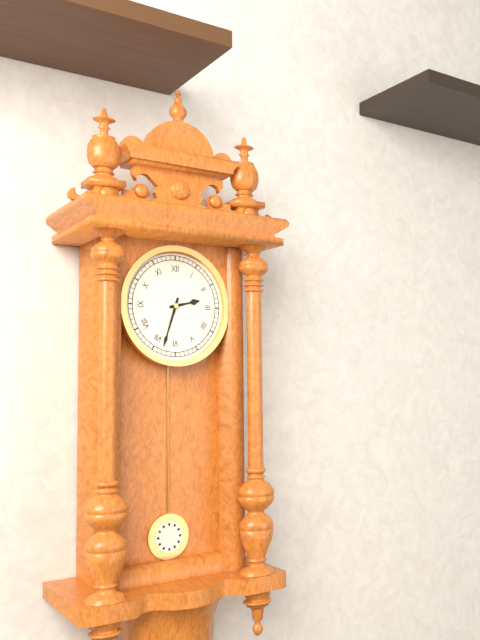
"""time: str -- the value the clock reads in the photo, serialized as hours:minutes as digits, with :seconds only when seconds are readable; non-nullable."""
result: 2:33
